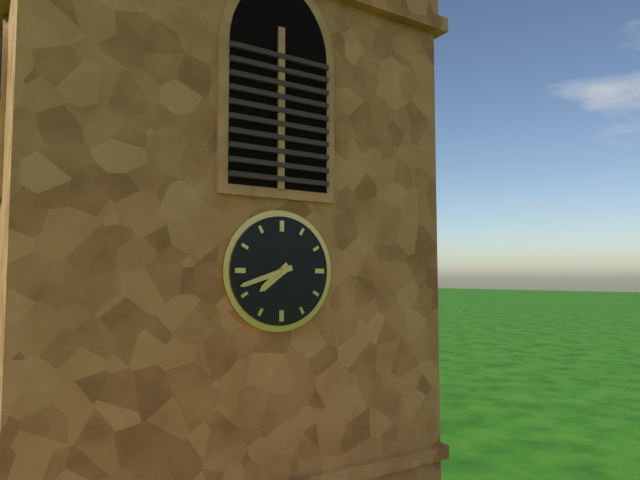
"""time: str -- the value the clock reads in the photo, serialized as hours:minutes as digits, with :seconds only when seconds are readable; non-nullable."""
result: 7:42
